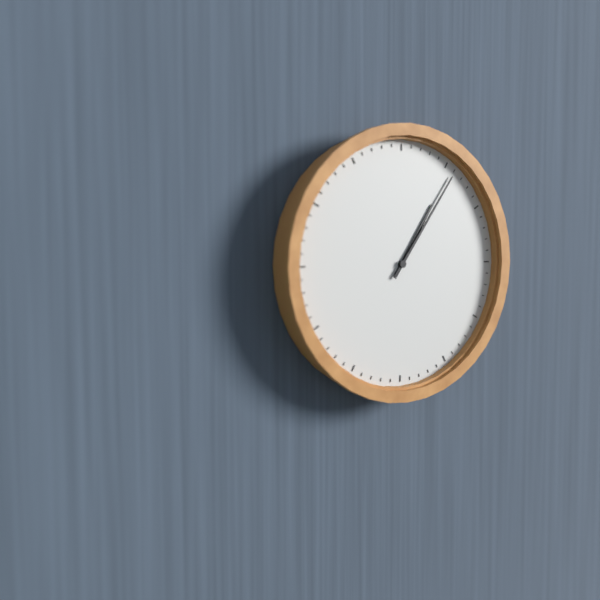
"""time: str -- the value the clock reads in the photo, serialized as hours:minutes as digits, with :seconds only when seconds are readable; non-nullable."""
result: 1:06
